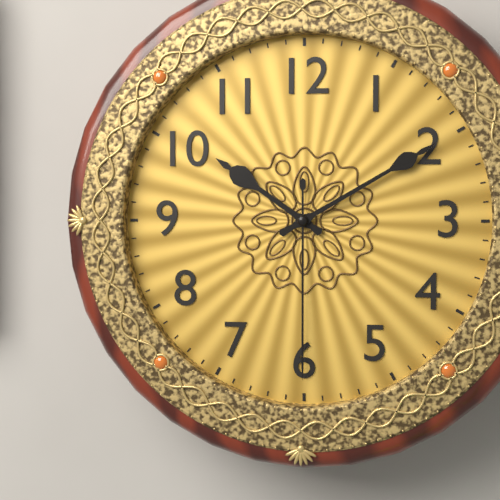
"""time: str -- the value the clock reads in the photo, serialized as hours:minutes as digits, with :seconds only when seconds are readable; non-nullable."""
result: 10:10:30
